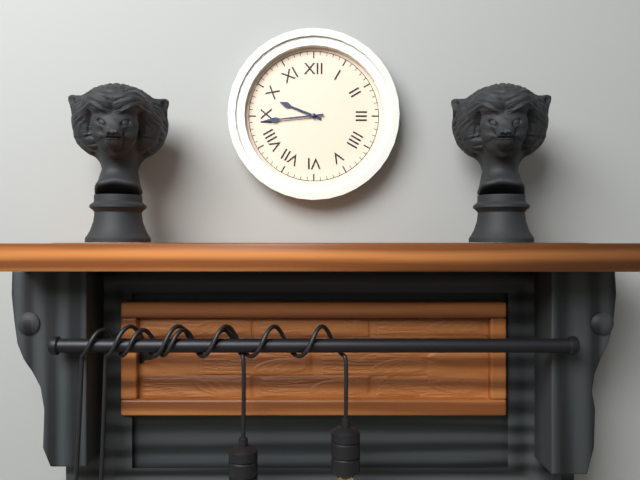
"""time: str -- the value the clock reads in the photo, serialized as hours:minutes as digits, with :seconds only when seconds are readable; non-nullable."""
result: 9:44
